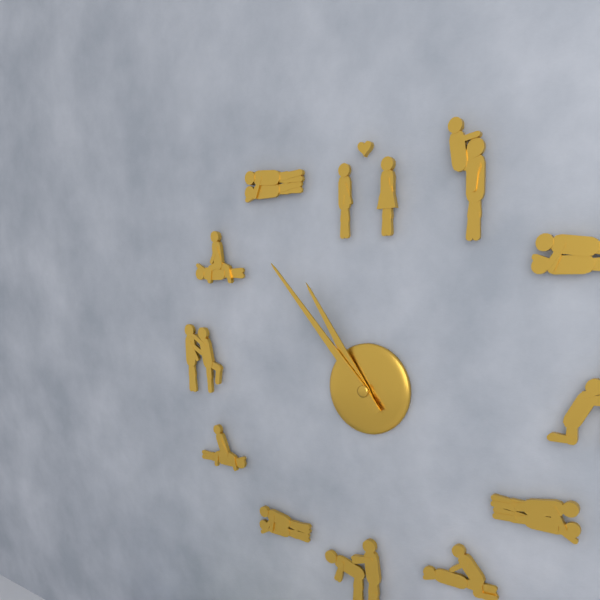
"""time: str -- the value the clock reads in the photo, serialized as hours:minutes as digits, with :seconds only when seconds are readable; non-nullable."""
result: 10:53
